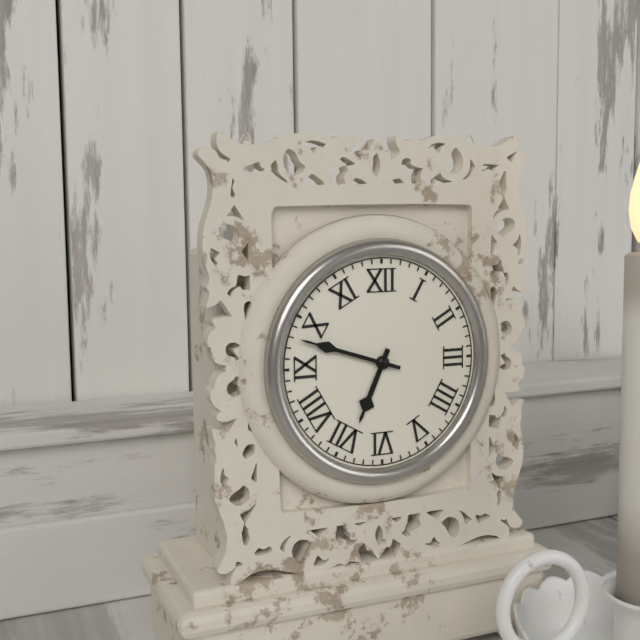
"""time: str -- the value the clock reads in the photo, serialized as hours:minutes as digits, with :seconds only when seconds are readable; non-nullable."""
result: 6:48
